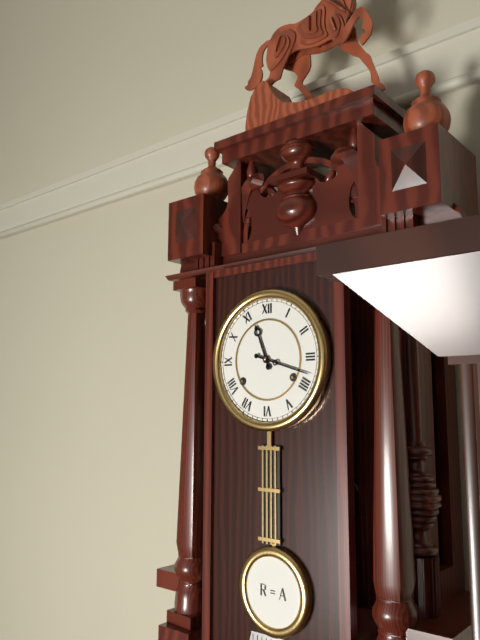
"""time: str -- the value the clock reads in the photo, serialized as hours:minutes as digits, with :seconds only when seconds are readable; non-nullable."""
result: 11:18
